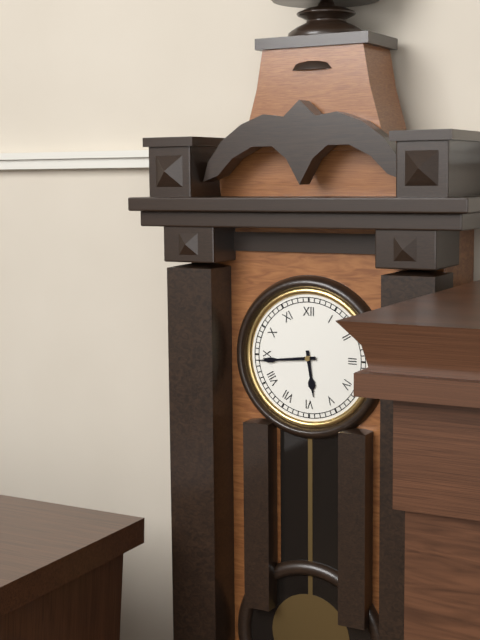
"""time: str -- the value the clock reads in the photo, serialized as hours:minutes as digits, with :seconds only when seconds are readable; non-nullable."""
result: 5:44
